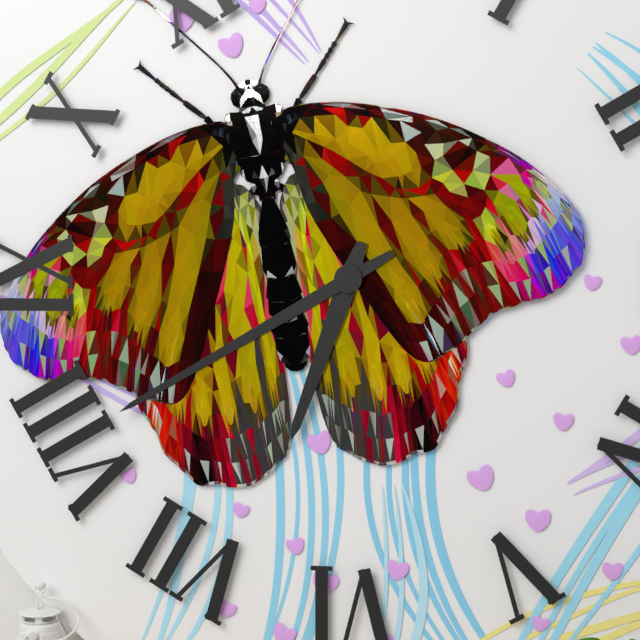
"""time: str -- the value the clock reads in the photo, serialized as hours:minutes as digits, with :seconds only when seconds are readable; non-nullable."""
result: 6:40
